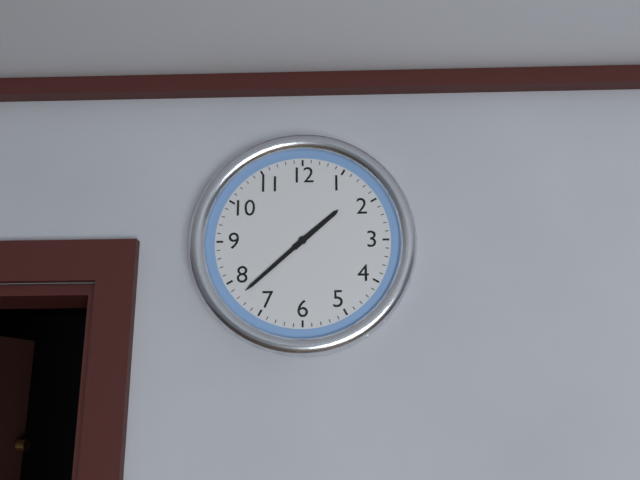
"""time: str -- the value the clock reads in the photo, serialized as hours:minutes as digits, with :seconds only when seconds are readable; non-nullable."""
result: 1:38
